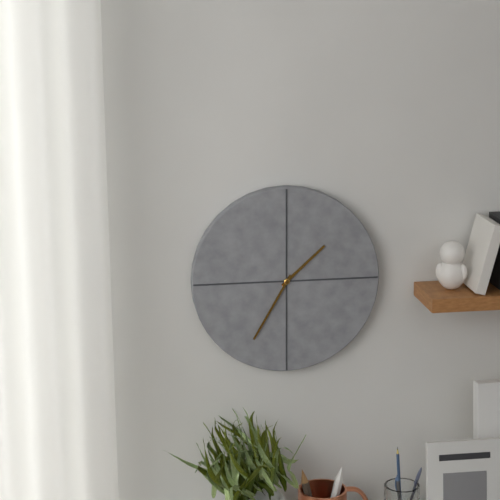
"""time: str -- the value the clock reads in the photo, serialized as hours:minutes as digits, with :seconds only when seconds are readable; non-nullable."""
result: 1:35
